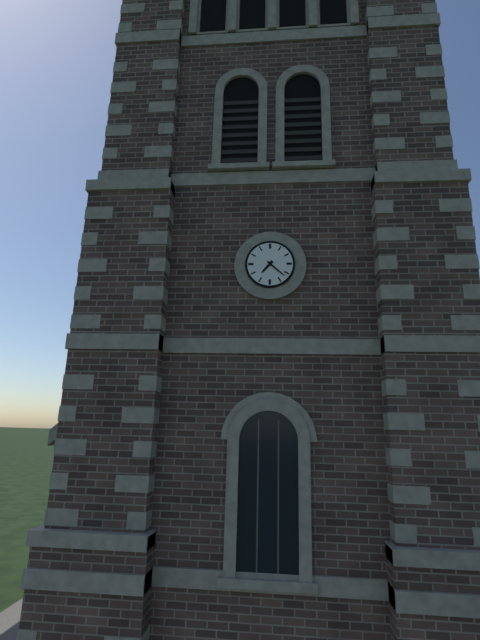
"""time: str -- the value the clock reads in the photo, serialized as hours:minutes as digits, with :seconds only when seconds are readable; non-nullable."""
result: 7:22
